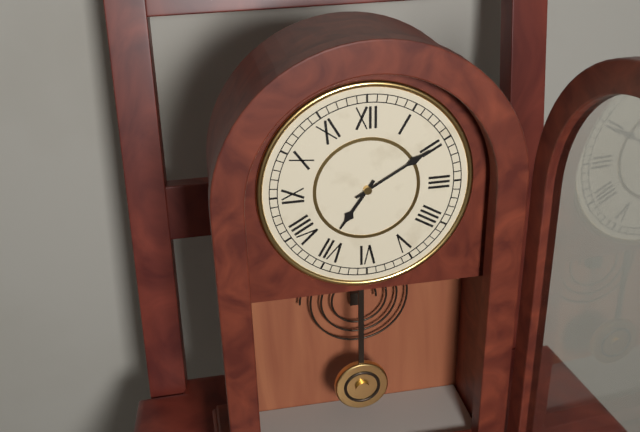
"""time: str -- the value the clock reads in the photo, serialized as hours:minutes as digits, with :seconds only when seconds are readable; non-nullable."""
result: 7:10
